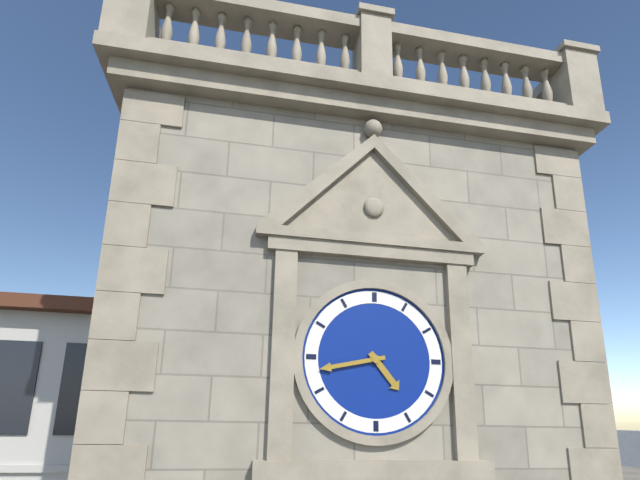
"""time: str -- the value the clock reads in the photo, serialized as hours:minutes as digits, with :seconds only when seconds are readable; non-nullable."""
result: 4:43
